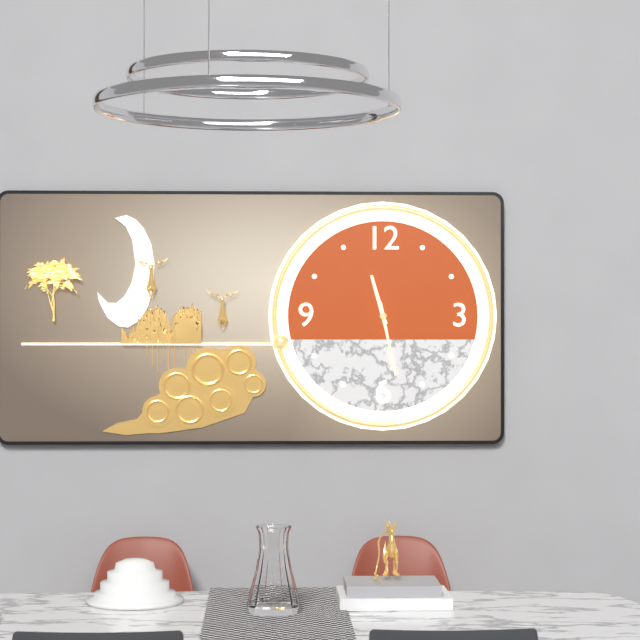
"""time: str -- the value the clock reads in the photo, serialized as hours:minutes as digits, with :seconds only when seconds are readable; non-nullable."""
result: 11:28
